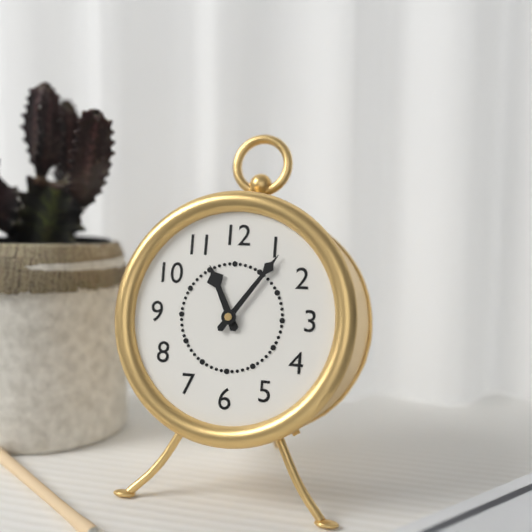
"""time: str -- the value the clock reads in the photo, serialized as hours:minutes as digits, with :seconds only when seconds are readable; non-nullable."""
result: 11:06
